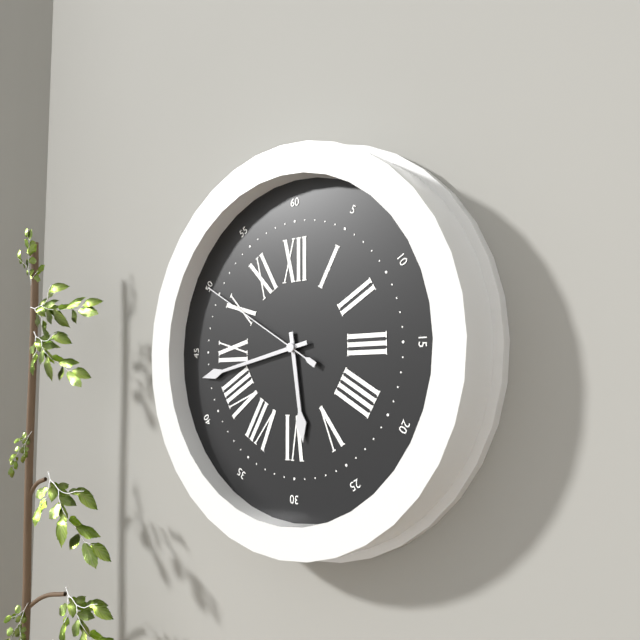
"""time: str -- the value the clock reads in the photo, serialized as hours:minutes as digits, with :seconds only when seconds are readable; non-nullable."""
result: 5:43:50
